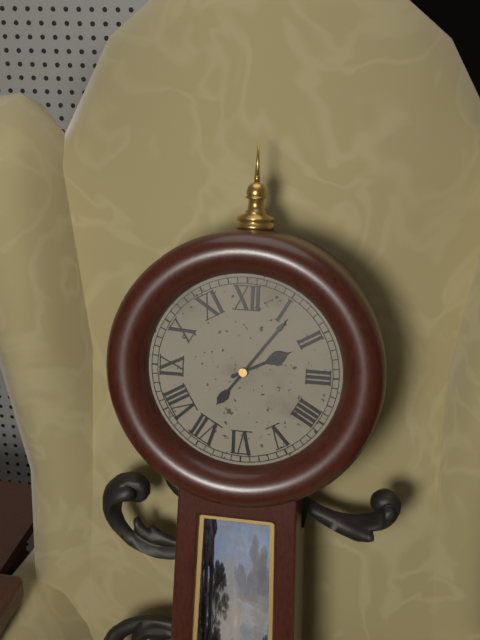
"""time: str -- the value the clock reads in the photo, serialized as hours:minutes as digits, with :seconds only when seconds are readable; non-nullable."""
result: 2:06
